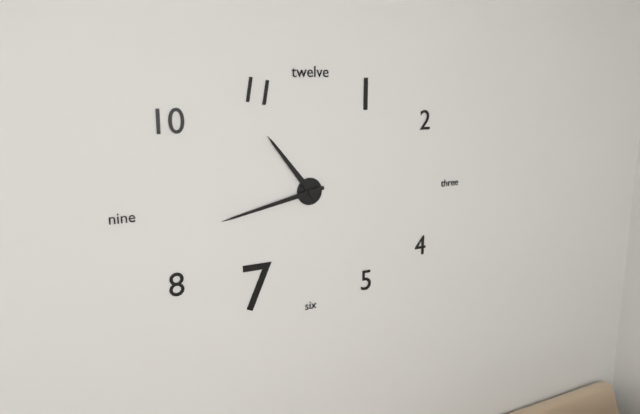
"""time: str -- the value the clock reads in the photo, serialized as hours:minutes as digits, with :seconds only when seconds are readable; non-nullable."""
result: 10:43
